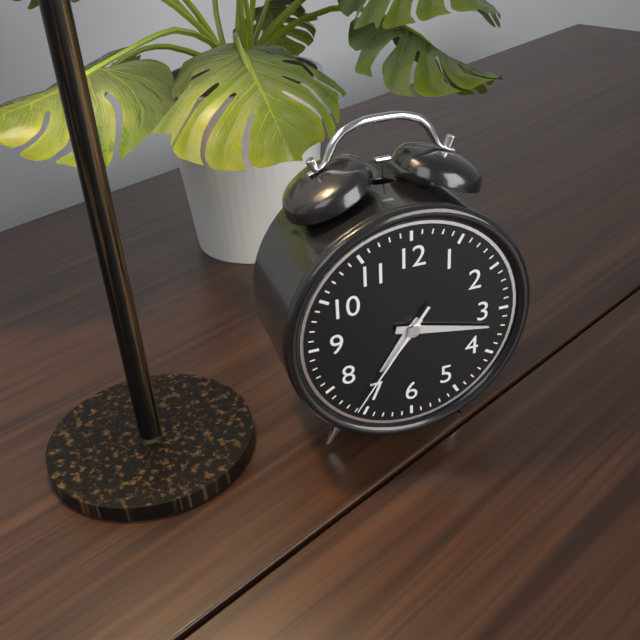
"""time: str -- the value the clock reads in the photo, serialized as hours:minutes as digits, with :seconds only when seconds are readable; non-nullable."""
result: 7:17:36
